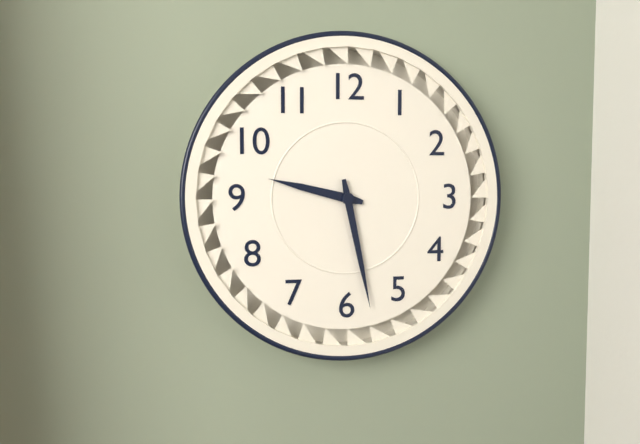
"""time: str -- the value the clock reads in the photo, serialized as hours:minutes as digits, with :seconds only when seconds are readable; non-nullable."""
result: 9:28
